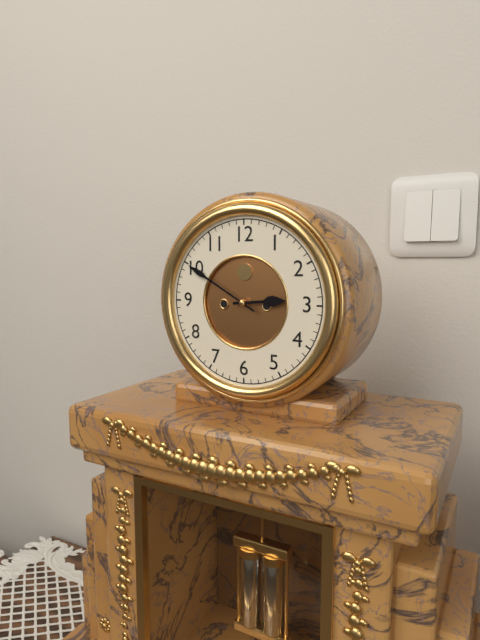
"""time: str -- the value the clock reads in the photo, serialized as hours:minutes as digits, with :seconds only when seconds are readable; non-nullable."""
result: 2:50
